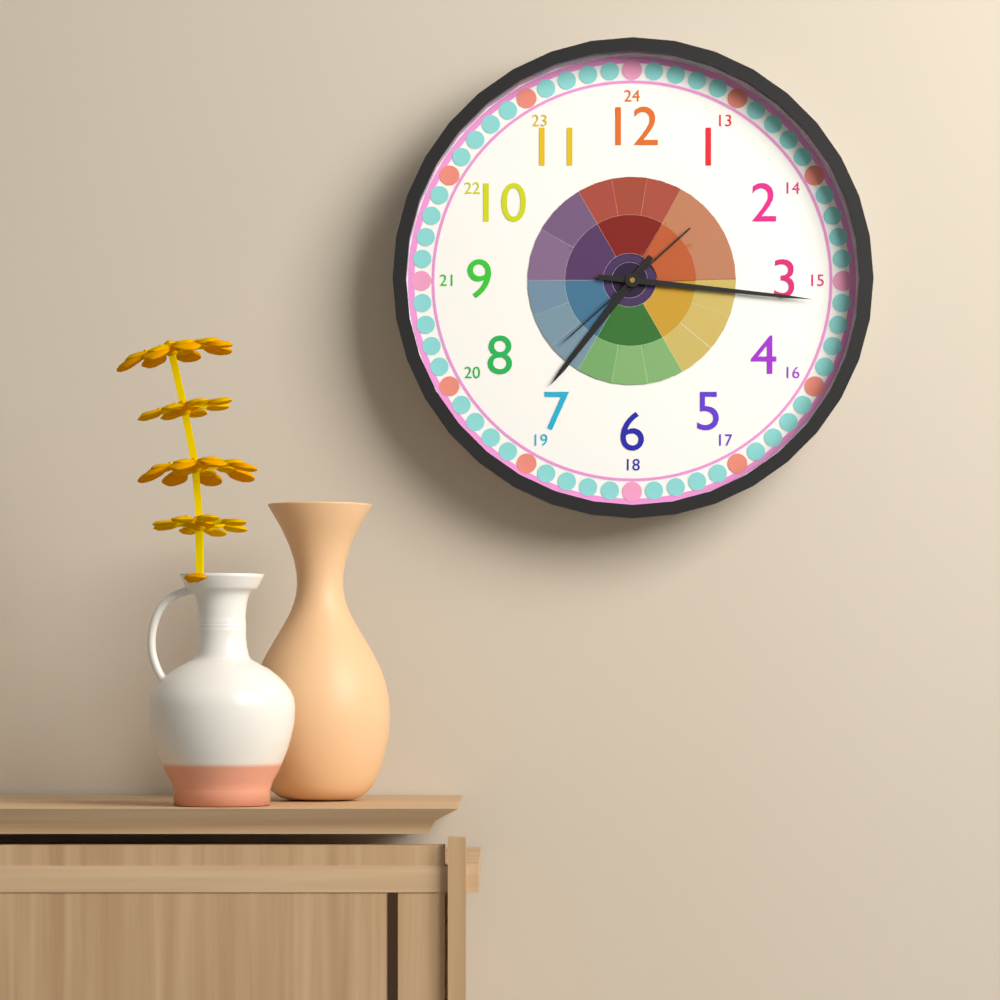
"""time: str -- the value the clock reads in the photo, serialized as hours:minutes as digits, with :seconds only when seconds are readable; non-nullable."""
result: 7:16:38
